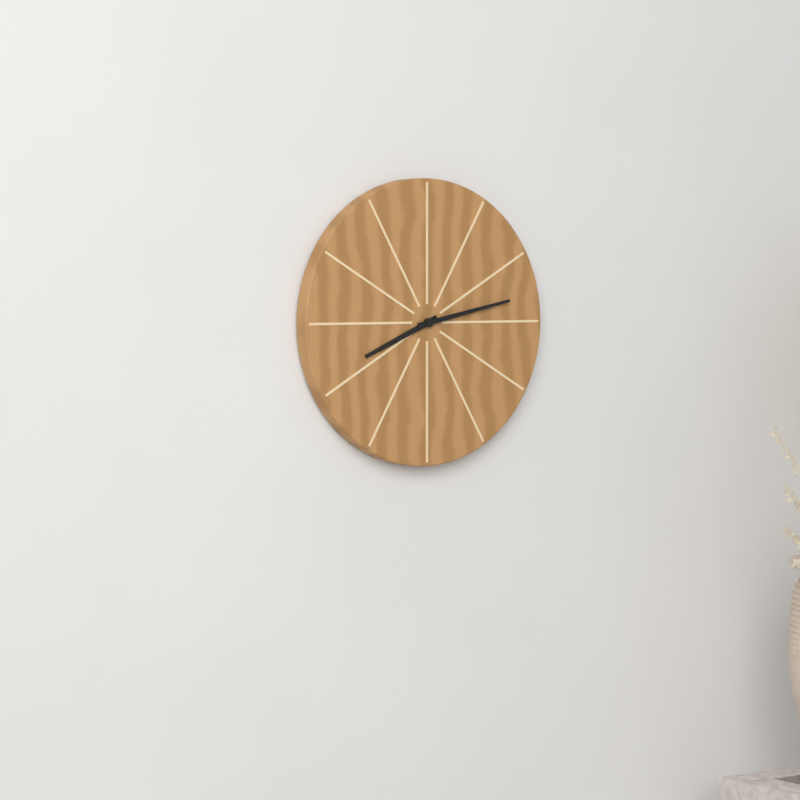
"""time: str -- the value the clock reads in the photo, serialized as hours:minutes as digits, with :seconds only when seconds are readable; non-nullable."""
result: 8:13
